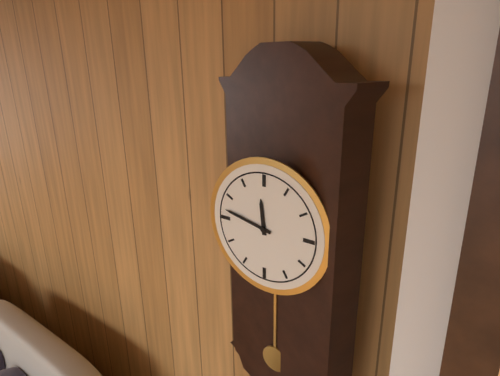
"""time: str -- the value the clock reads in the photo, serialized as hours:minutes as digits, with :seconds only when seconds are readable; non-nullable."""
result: 11:47
